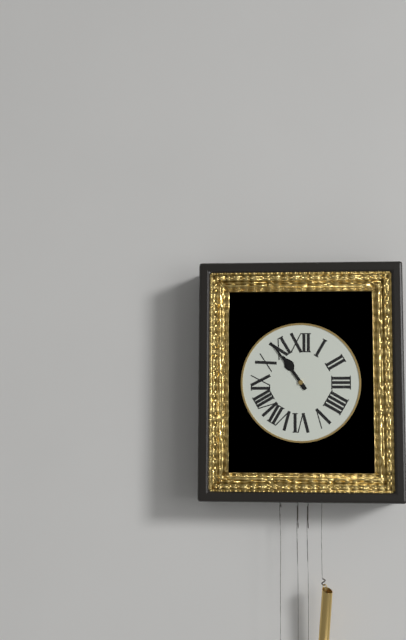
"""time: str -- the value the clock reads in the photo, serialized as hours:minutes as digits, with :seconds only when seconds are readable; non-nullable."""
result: 10:54
